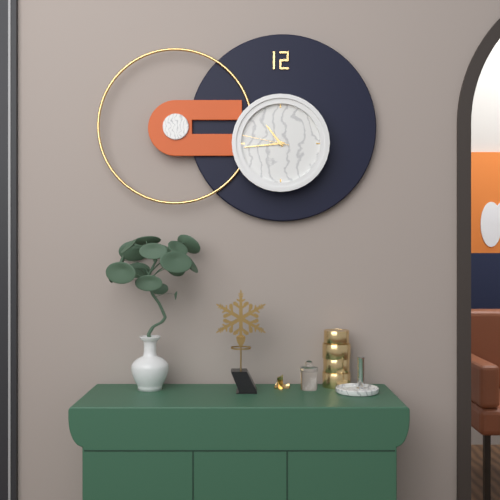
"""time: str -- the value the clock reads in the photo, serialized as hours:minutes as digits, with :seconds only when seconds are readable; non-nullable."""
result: 10:44:47
